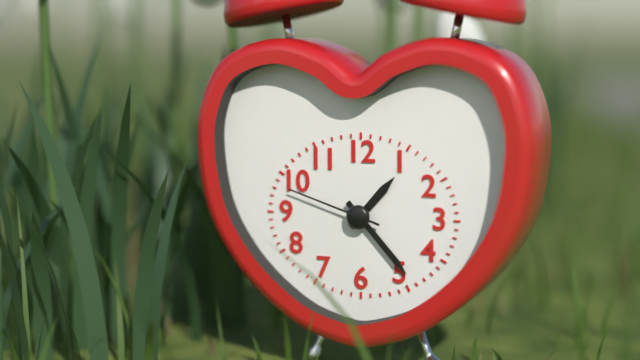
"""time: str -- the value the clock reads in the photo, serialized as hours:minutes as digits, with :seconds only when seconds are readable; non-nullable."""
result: 1:23:48
